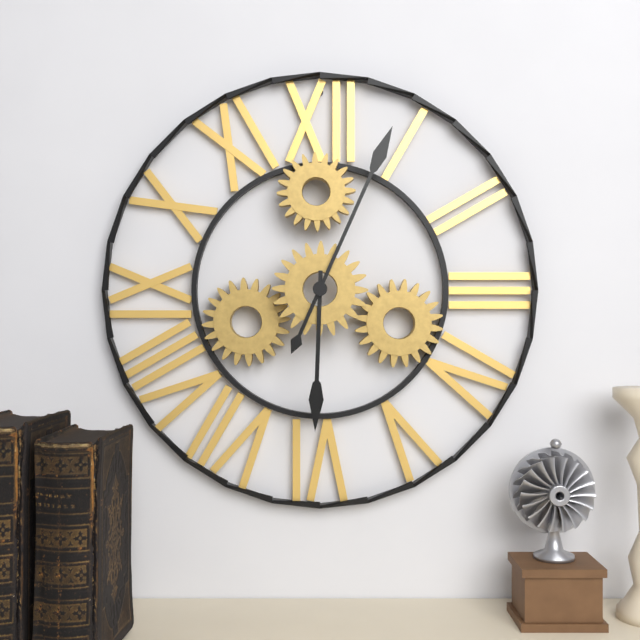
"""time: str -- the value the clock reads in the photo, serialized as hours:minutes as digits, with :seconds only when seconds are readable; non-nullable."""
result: 6:04
